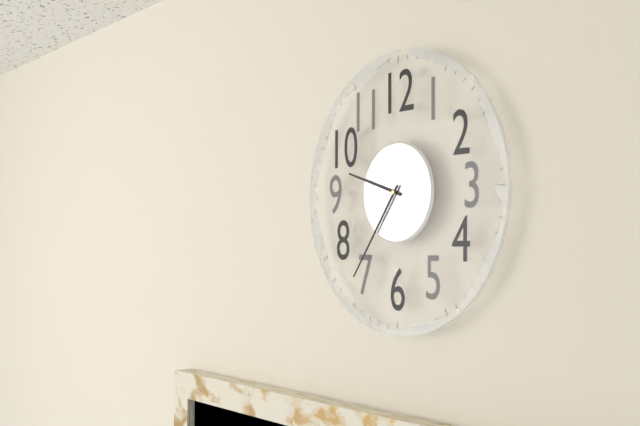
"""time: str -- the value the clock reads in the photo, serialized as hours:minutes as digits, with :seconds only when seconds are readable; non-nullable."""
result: 9:36
